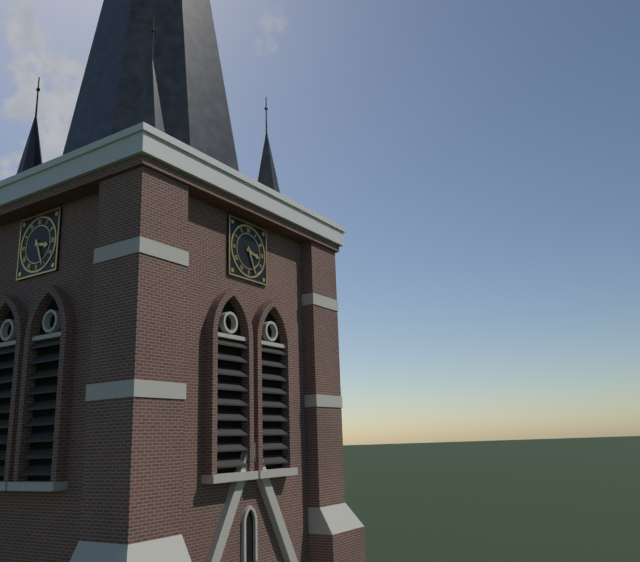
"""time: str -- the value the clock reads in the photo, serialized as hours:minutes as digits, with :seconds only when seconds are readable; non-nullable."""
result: 3:26
